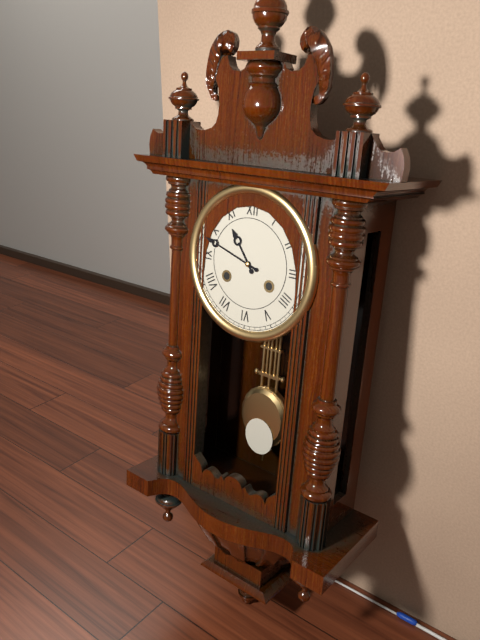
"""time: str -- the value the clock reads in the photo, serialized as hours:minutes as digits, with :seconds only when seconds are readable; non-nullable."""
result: 10:48
